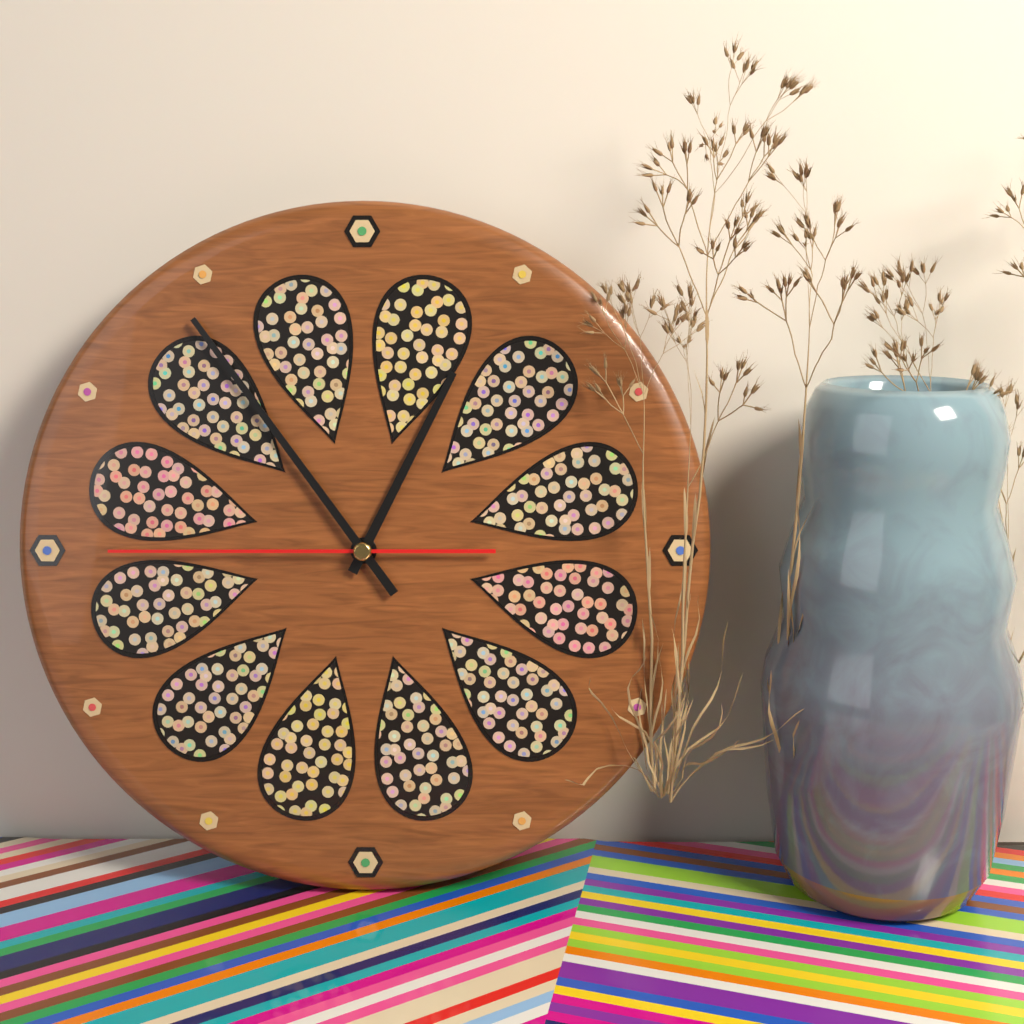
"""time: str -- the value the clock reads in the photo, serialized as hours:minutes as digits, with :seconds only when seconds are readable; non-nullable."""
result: 12:54:45
